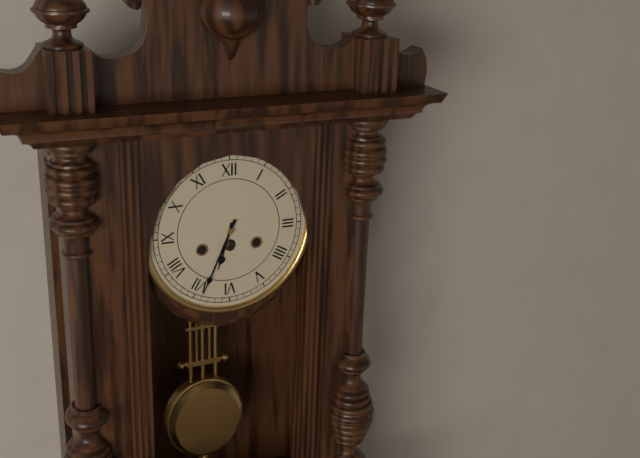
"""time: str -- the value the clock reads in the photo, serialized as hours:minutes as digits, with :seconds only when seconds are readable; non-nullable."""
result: 6:34
